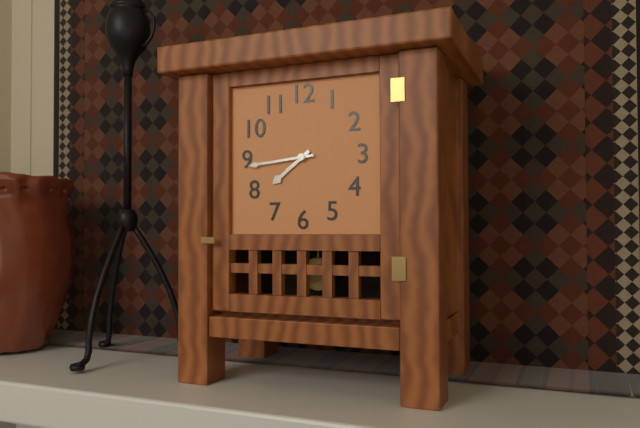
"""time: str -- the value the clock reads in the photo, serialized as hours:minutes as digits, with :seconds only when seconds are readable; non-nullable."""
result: 7:44
